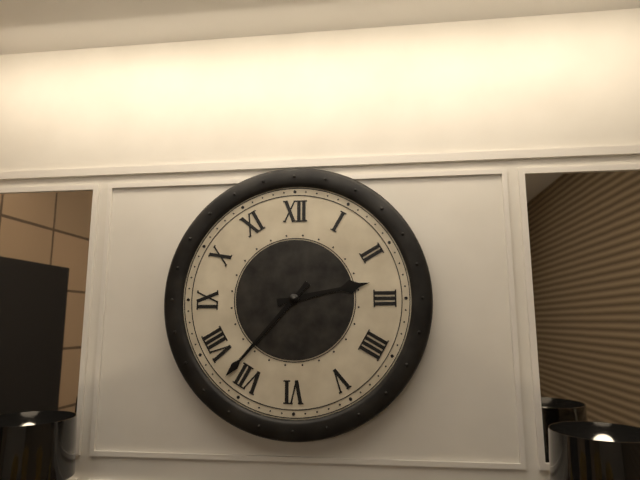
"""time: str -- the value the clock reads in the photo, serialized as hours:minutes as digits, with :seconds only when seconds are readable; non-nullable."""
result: 2:37
